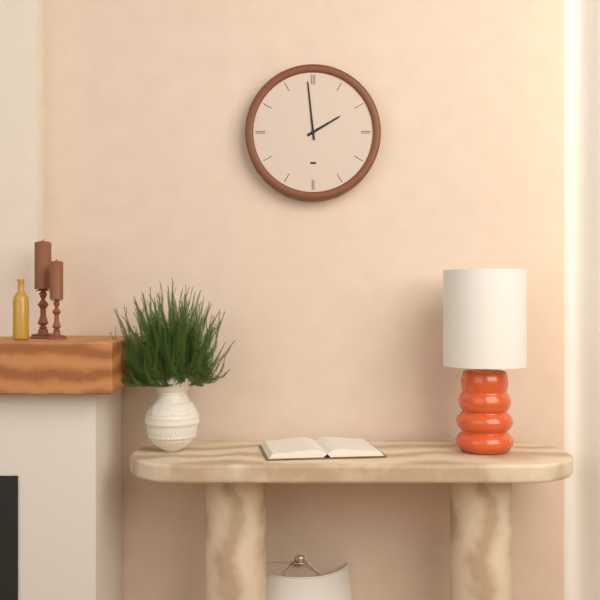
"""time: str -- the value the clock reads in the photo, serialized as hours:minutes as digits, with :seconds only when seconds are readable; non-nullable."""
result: 1:59
